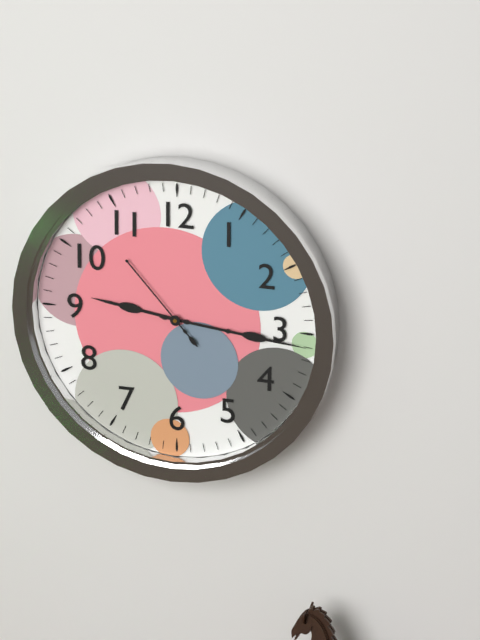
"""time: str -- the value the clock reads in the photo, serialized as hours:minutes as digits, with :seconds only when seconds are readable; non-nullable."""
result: 9:16:53
